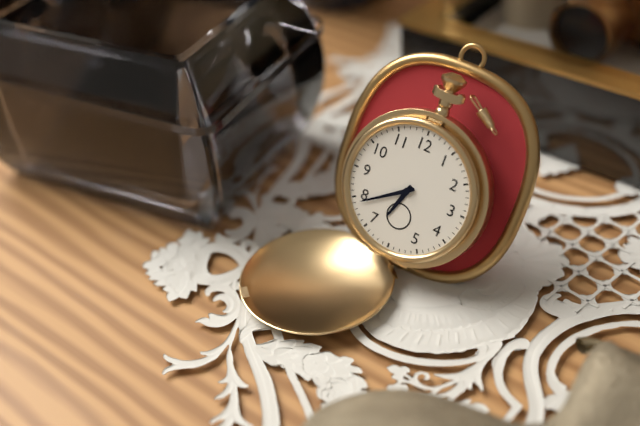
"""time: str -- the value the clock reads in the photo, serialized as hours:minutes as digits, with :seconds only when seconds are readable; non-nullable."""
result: 6:39
